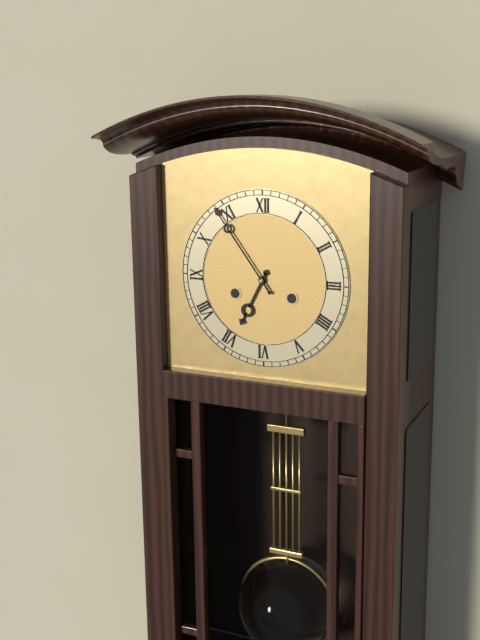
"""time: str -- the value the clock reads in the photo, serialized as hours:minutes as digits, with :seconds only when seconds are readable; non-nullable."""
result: 6:54
